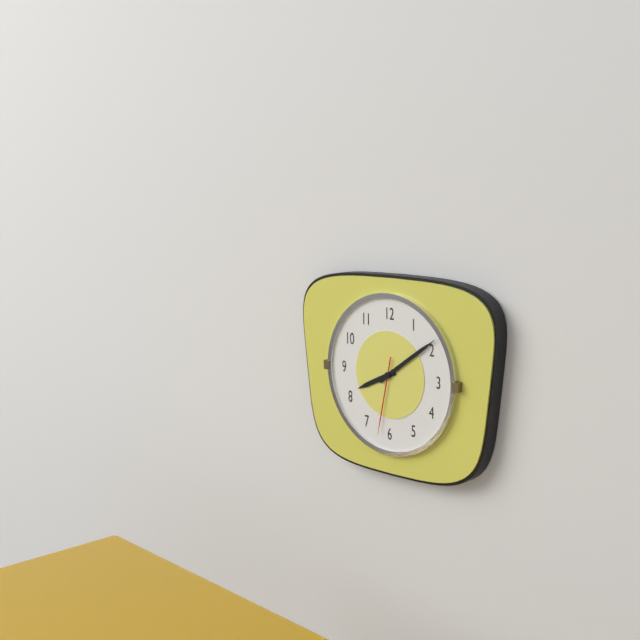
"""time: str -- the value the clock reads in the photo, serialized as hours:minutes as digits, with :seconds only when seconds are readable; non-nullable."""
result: 8:09:32
